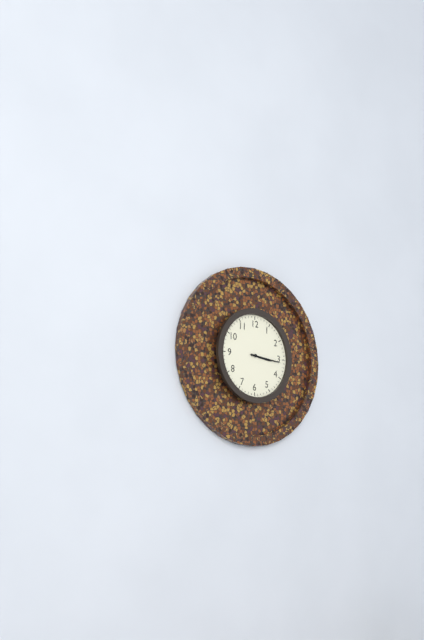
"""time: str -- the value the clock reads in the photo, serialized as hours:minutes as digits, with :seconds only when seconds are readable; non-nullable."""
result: 3:16
